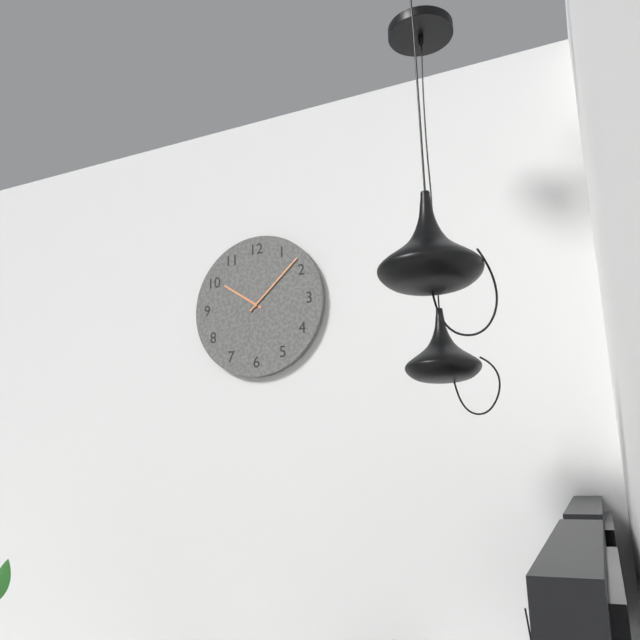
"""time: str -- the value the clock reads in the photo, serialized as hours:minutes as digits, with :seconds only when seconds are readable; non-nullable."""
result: 10:08
